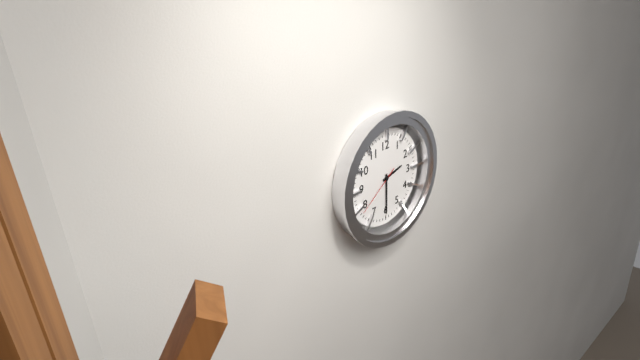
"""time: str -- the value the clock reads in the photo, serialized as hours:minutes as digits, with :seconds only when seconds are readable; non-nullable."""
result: 2:30:39
